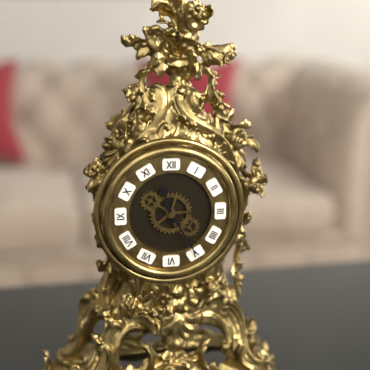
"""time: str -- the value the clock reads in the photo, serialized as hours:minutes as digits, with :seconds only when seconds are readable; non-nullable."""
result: 11:25
